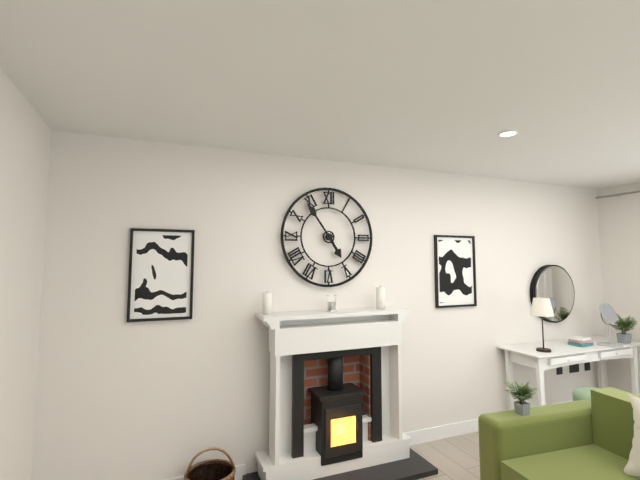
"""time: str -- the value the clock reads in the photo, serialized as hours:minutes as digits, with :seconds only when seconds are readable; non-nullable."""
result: 4:54
